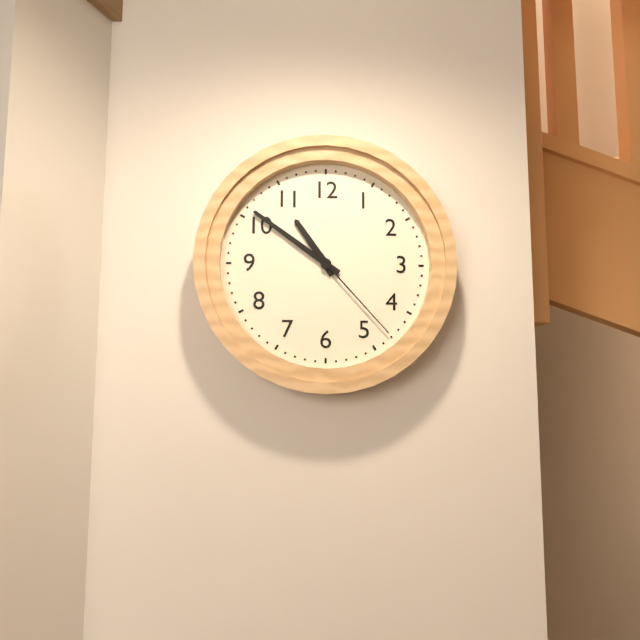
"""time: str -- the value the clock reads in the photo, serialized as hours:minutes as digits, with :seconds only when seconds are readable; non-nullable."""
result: 10:51:23
